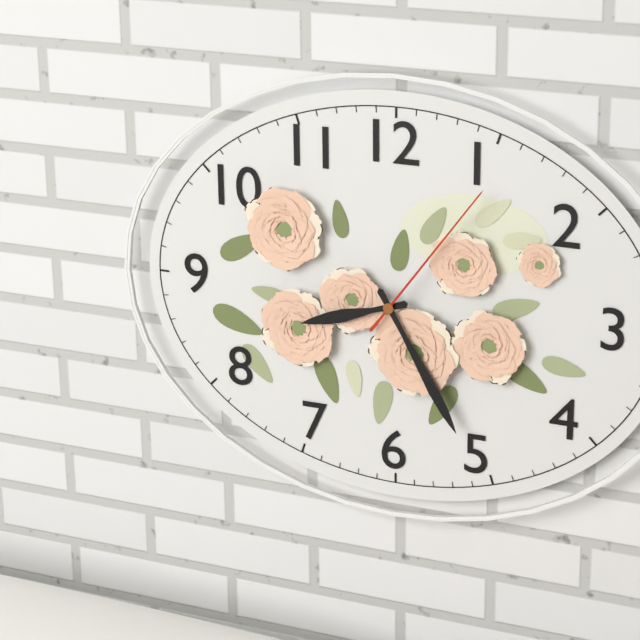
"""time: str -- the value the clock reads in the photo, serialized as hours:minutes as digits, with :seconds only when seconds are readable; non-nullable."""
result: 8:25:06
